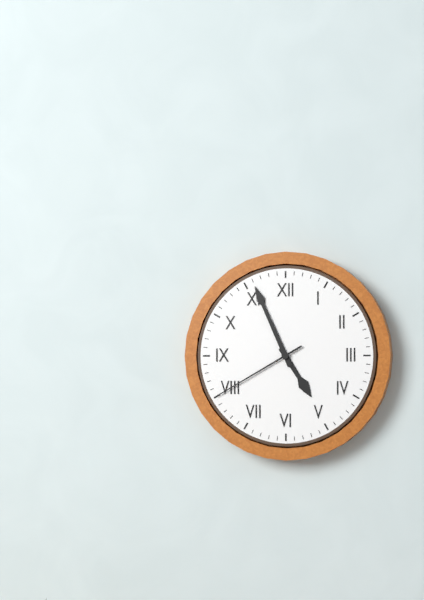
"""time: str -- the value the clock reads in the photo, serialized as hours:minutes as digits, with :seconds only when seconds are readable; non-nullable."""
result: 4:56:40
